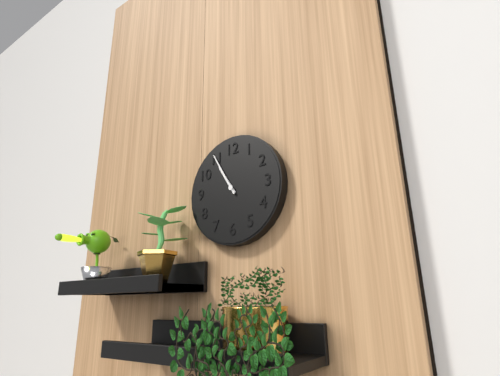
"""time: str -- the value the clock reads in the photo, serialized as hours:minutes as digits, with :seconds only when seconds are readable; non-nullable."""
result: 10:55
